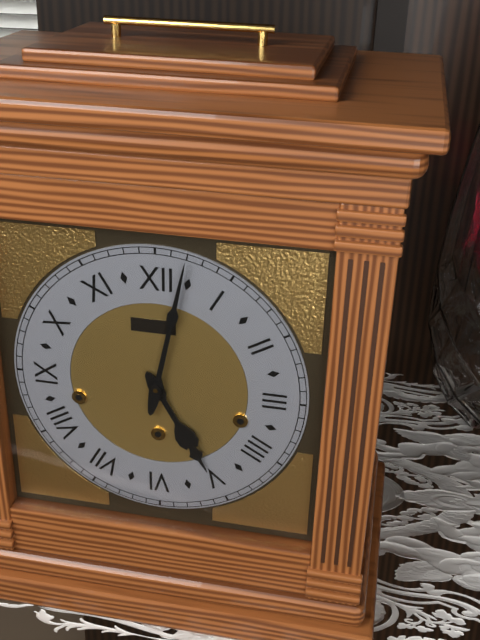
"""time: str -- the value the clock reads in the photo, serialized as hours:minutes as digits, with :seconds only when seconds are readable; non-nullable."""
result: 5:02
